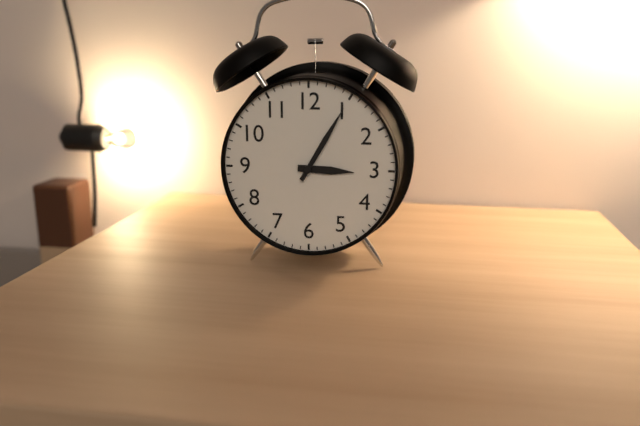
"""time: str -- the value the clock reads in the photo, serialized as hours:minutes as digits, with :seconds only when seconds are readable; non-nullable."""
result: 3:05
